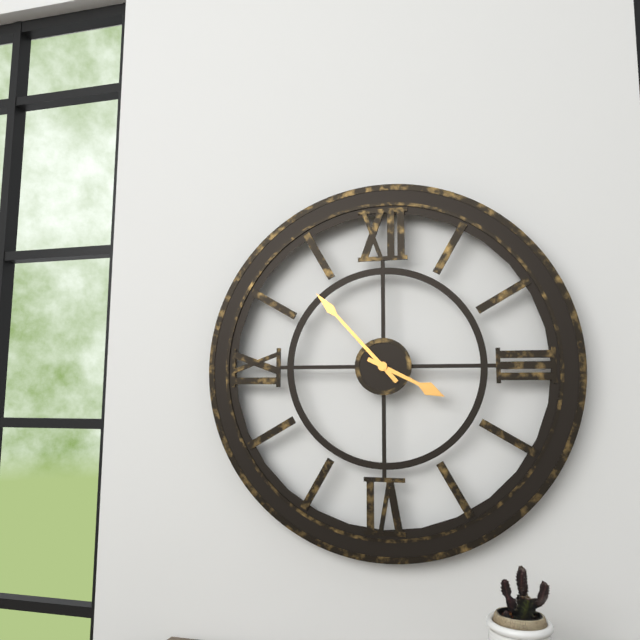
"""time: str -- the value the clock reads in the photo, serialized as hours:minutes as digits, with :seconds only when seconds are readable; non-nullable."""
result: 3:53
